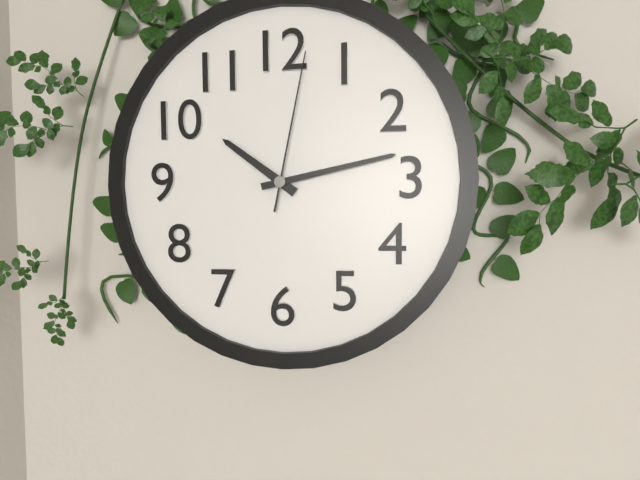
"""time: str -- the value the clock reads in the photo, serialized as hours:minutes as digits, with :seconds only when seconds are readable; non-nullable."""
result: 10:13:02
